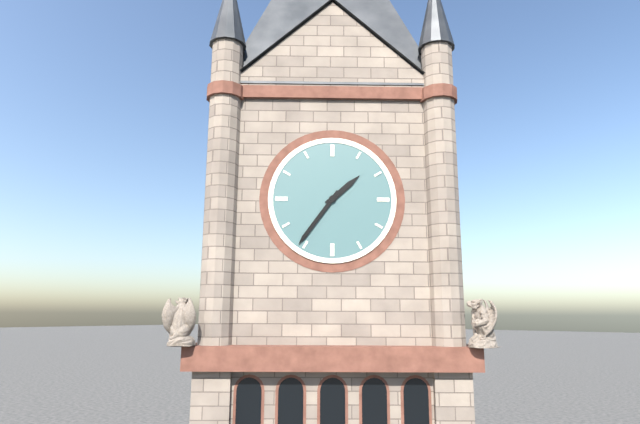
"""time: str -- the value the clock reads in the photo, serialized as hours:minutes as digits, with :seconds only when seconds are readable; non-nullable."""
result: 1:36
